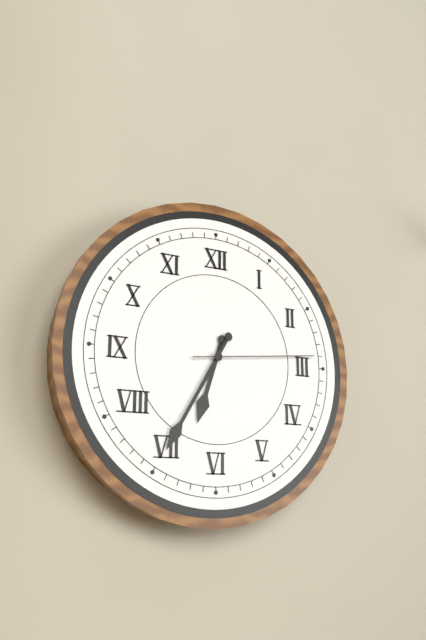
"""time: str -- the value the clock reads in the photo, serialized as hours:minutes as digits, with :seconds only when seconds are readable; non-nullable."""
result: 6:35:14
